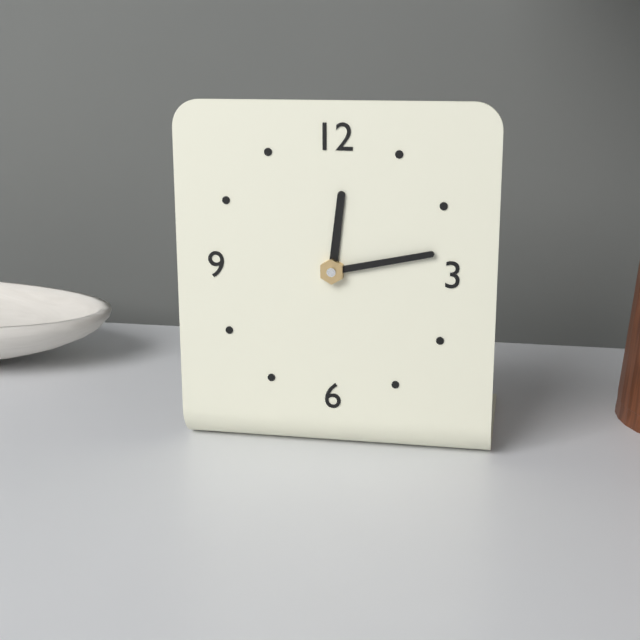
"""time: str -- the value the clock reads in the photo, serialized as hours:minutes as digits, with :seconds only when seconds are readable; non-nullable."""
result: 12:13
